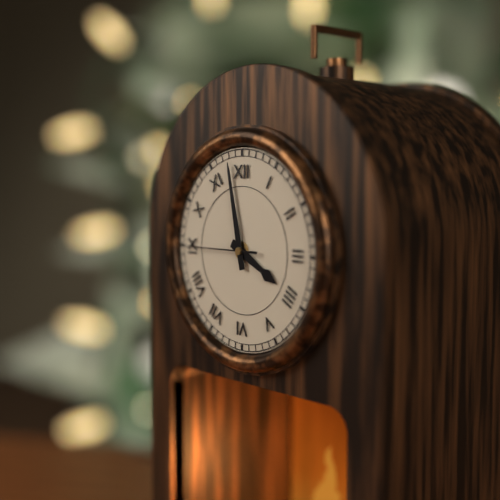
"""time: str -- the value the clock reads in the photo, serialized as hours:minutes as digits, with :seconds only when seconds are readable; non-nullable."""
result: 3:58:45
